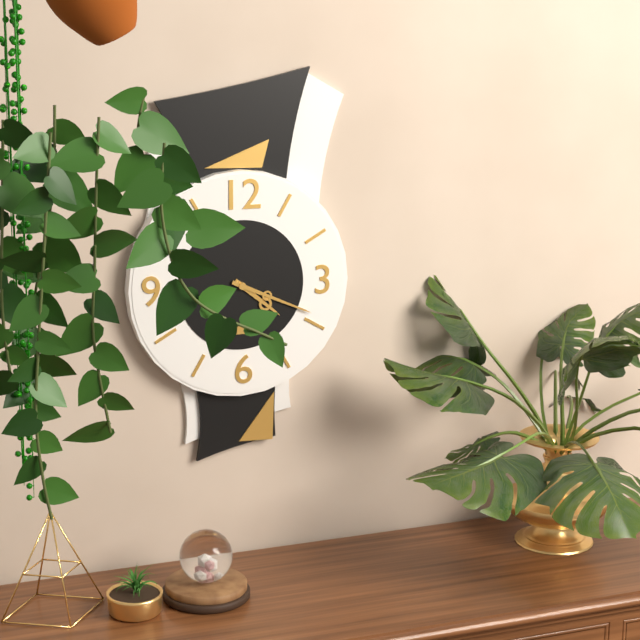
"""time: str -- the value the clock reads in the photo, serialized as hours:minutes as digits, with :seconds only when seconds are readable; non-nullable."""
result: 4:19
